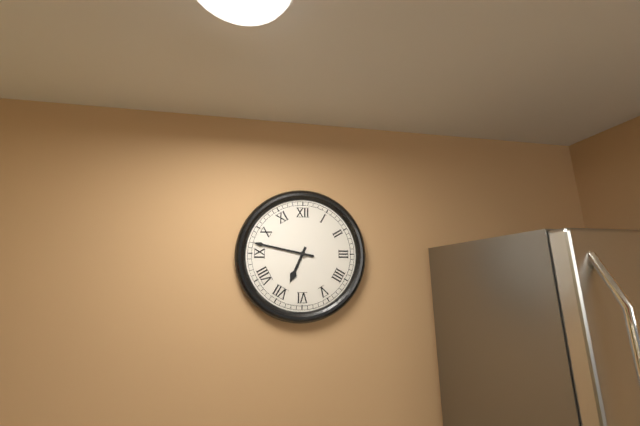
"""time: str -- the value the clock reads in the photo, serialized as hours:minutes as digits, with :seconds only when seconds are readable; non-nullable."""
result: 6:47
